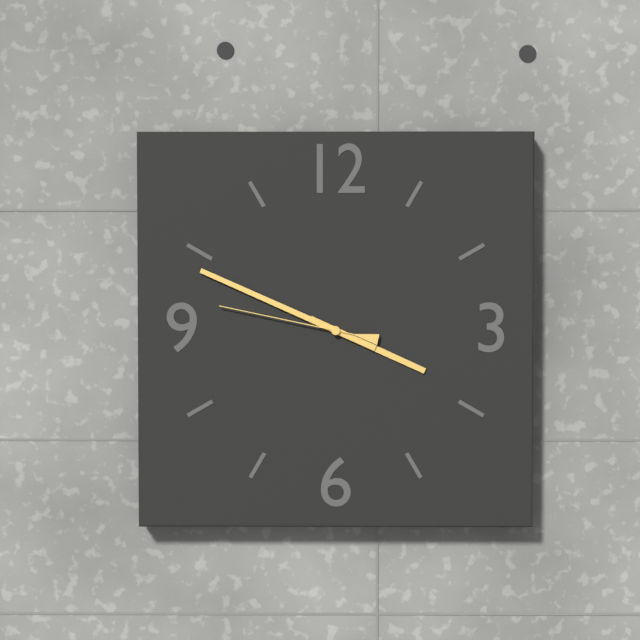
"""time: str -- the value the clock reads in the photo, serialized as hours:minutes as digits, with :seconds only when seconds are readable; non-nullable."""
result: 3:49:47
